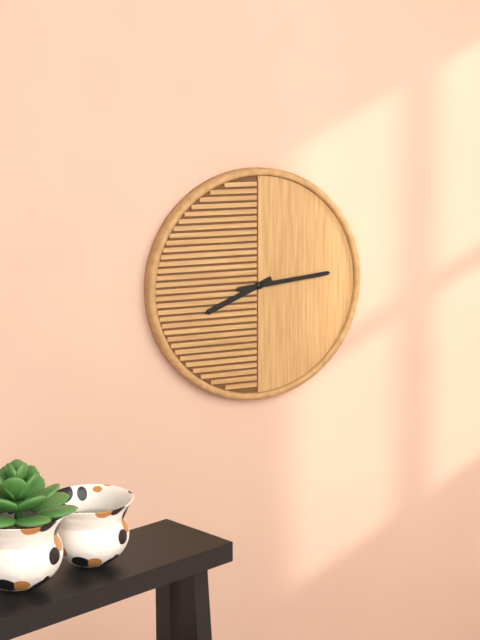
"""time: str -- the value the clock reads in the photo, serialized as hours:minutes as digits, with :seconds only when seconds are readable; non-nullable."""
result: 8:14
